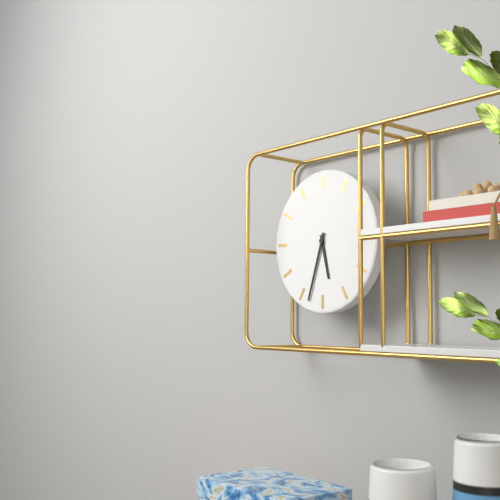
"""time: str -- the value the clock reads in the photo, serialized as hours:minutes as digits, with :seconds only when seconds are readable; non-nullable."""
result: 5:33
